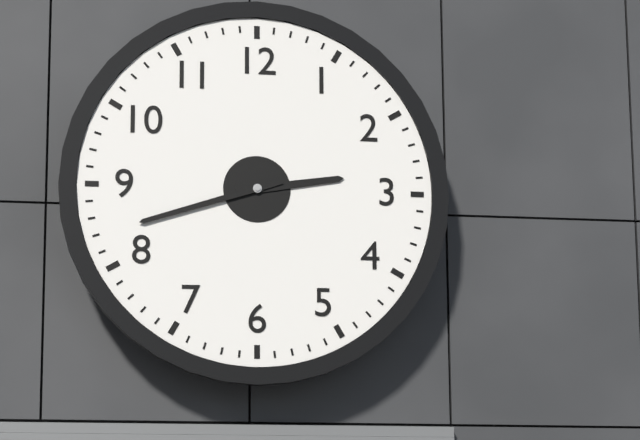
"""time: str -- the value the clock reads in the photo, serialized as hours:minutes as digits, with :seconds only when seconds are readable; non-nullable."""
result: 2:42
